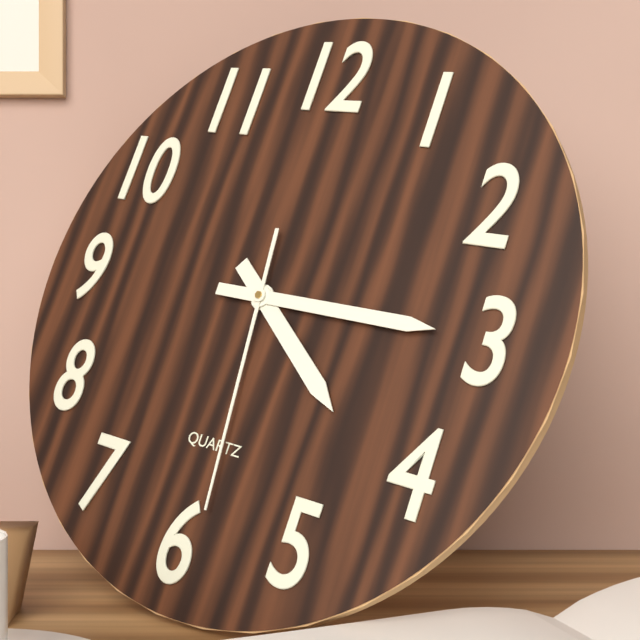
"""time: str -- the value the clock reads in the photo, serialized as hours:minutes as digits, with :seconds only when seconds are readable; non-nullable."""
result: 4:15:29
